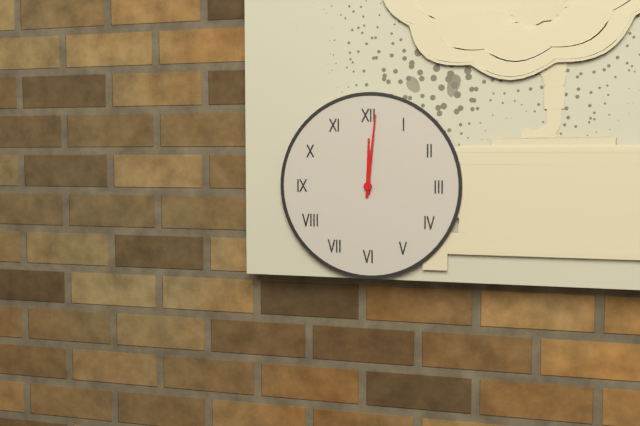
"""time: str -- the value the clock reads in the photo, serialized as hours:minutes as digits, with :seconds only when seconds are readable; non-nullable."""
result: 12:01
